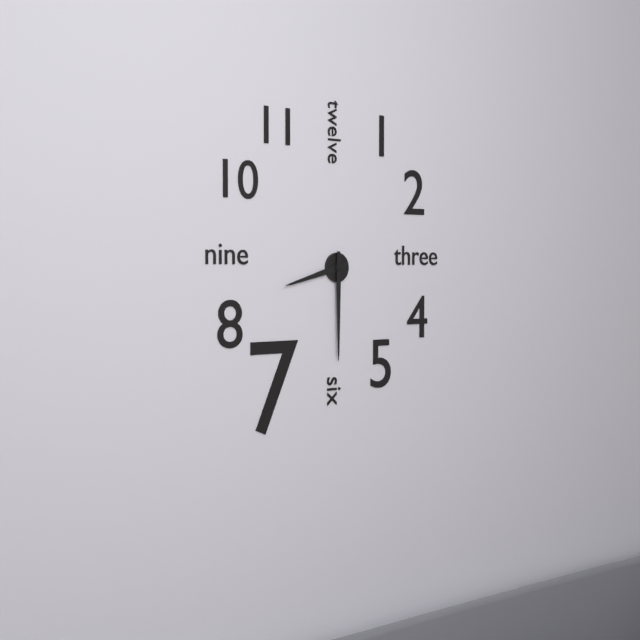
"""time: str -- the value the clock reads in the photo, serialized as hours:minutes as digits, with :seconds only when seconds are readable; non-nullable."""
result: 8:30
